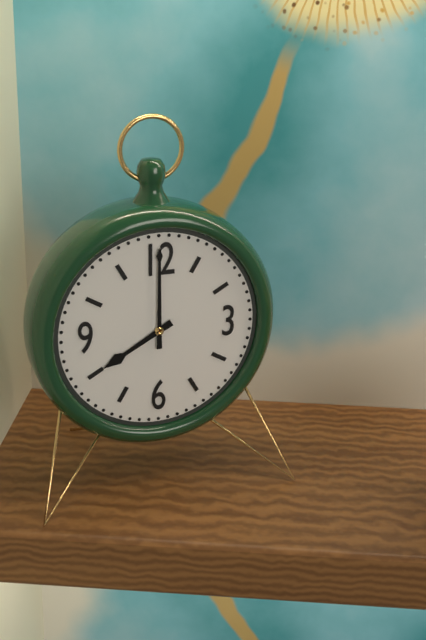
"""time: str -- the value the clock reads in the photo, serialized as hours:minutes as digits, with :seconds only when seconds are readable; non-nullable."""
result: 8:00
